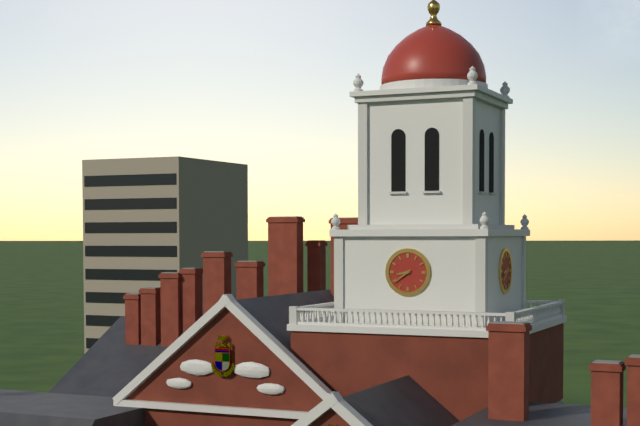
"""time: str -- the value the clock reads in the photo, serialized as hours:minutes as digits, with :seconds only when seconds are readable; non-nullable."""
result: 8:39
